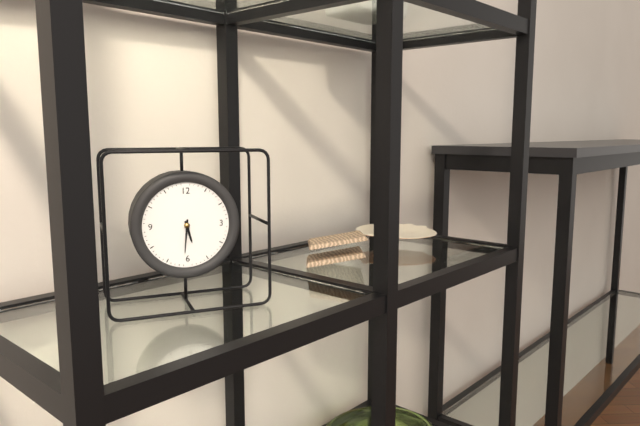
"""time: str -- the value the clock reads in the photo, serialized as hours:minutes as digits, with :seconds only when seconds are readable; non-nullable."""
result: 5:31
